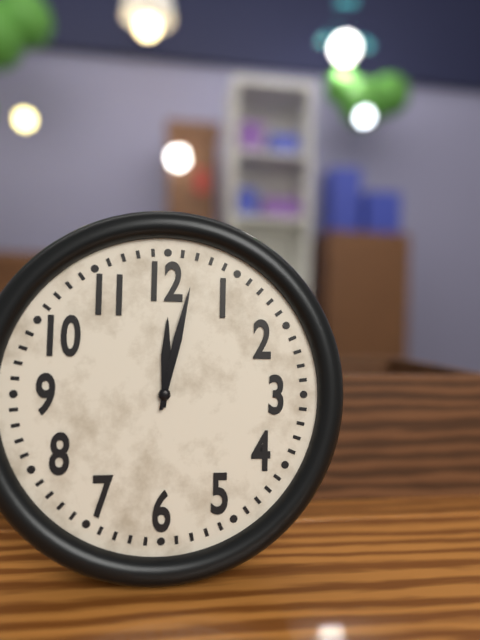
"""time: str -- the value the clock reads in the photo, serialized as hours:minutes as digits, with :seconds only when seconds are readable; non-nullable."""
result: 12:02
